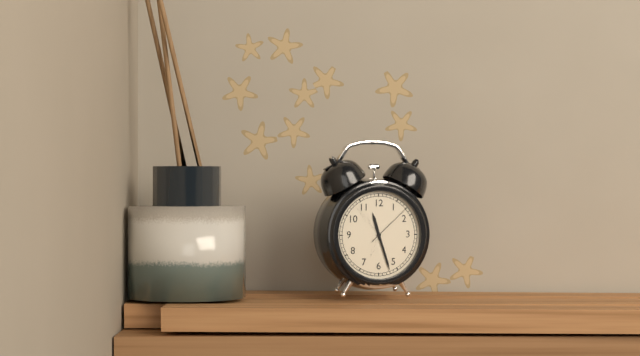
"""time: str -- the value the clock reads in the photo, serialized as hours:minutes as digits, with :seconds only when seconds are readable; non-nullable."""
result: 11:27
